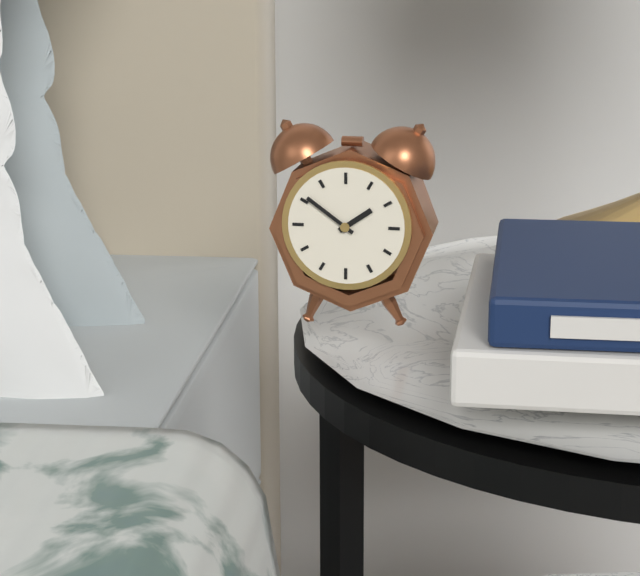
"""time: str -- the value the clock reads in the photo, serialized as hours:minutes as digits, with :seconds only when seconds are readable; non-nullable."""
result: 1:51
